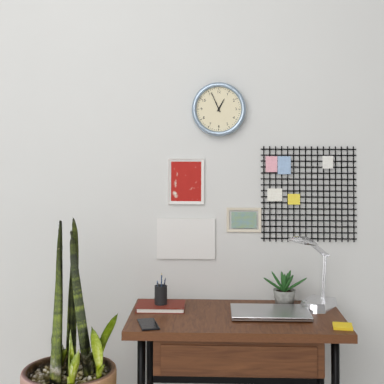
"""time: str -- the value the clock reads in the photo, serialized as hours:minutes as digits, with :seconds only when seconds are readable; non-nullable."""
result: 12:56
